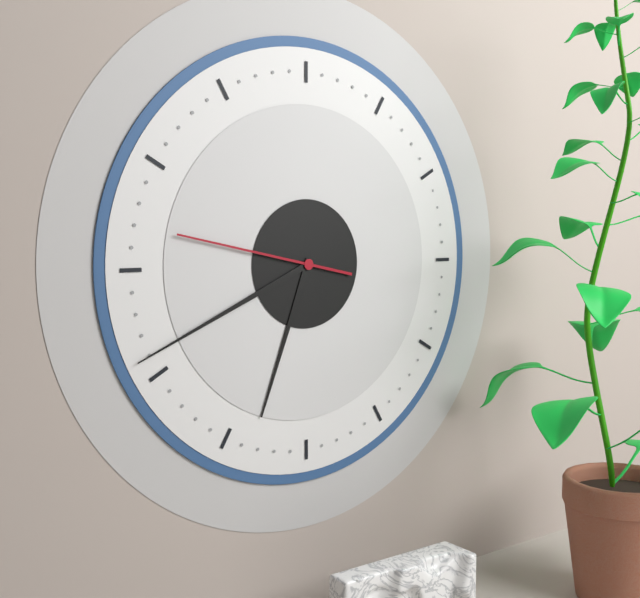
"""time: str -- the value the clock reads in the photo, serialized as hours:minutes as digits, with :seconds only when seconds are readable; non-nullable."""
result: 6:41:47
